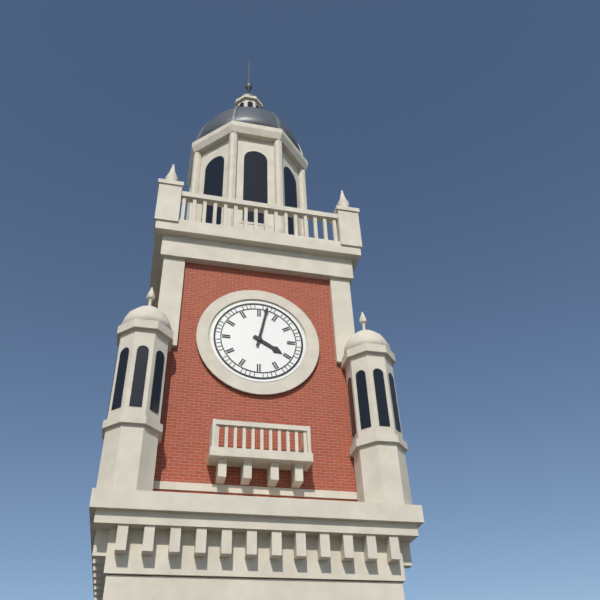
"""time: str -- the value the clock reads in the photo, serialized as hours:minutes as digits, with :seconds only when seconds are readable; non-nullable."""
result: 4:02
